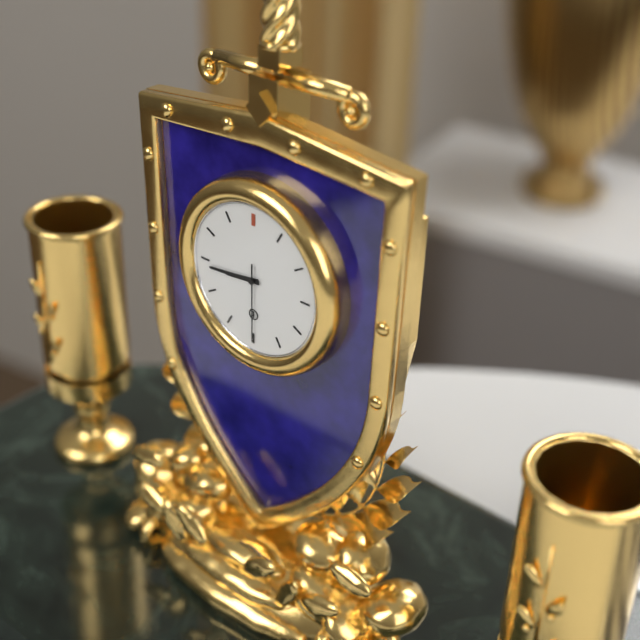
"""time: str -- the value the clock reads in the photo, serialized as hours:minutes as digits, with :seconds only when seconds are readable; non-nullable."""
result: 8:44:30
